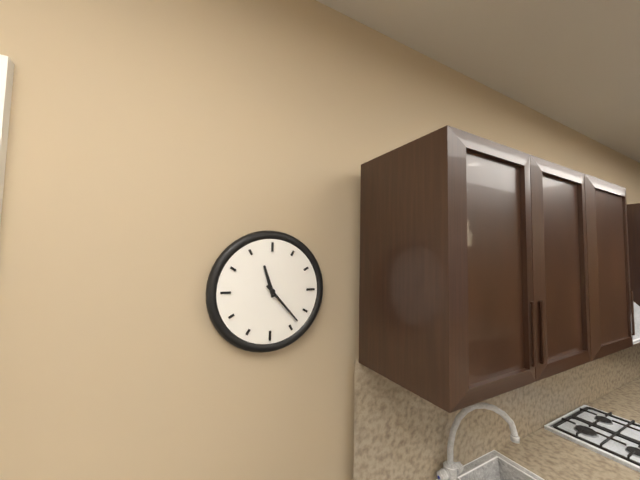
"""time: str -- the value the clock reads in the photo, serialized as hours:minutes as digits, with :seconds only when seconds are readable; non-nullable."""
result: 11:23
